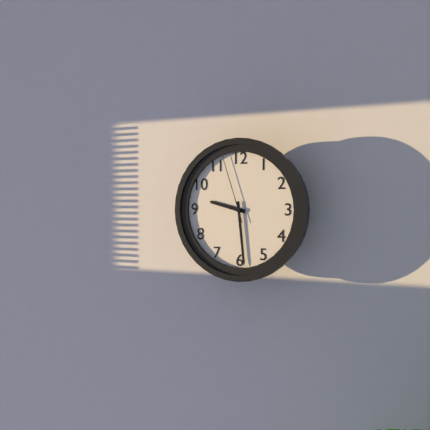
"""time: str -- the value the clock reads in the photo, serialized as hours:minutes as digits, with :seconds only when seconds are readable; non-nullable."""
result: 9:29:57
